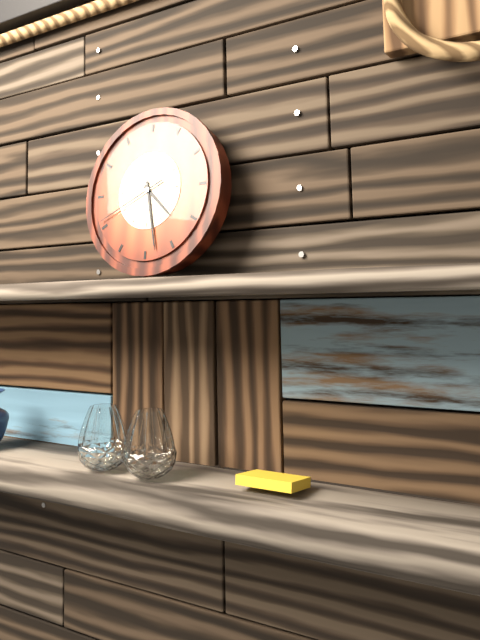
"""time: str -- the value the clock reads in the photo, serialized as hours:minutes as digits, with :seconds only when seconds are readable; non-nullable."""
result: 4:28:41
